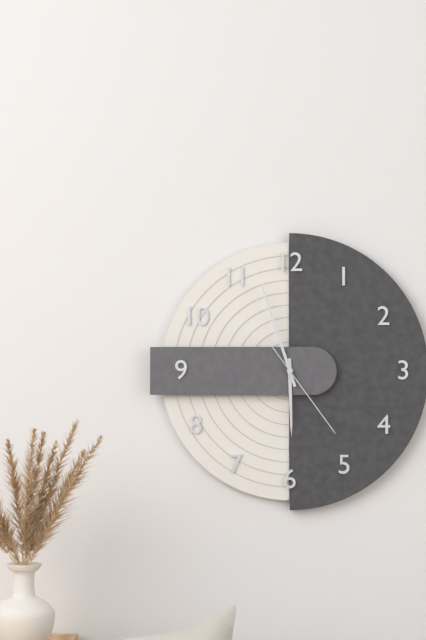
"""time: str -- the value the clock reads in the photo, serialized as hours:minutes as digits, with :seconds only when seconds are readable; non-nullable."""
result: 5:57:24
